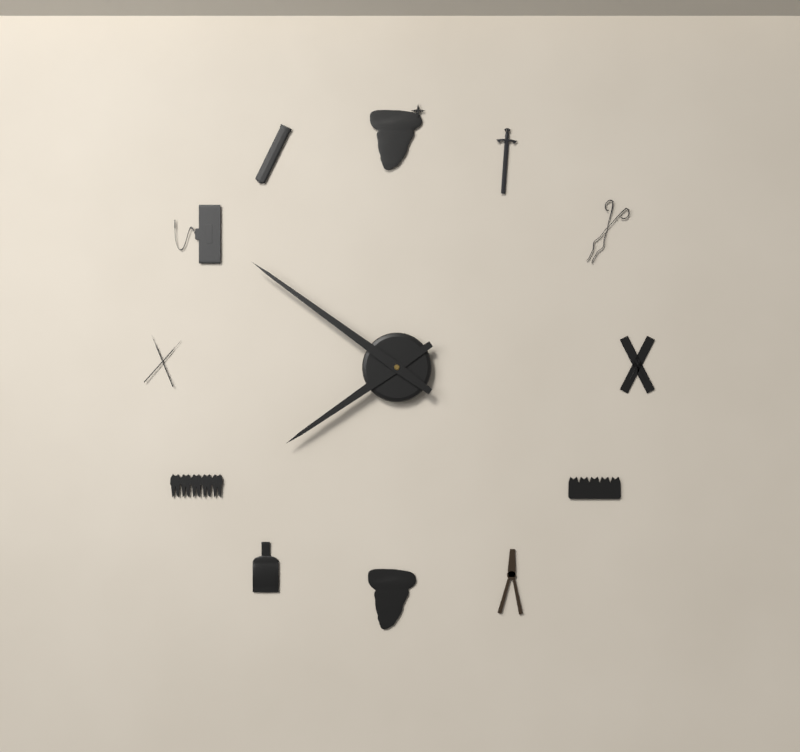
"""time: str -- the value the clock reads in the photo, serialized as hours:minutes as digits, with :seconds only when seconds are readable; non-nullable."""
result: 7:51
